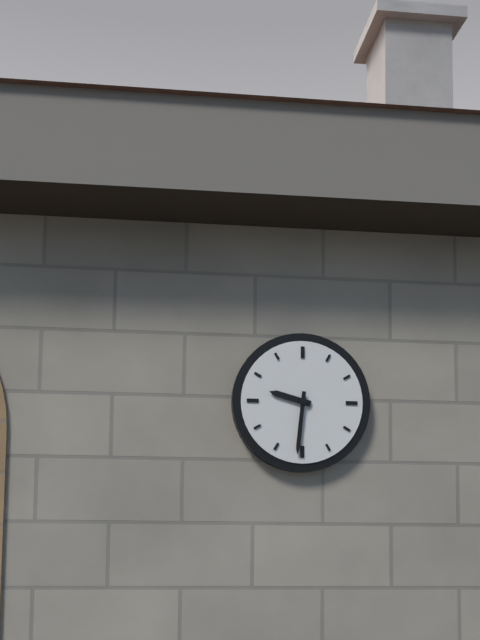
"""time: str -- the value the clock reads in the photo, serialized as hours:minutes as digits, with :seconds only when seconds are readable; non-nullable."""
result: 9:31
